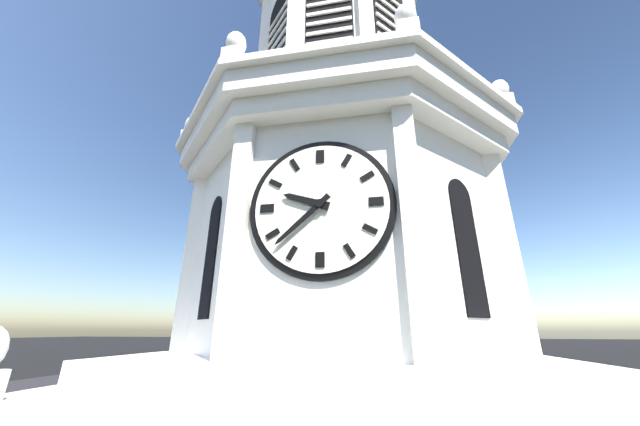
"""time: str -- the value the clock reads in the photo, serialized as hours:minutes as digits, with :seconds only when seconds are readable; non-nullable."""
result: 9:38
